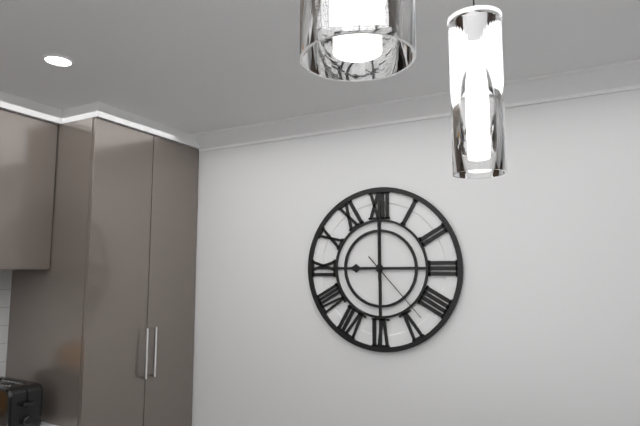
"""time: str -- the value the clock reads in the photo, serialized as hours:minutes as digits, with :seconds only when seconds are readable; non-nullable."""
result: 9:00:23
